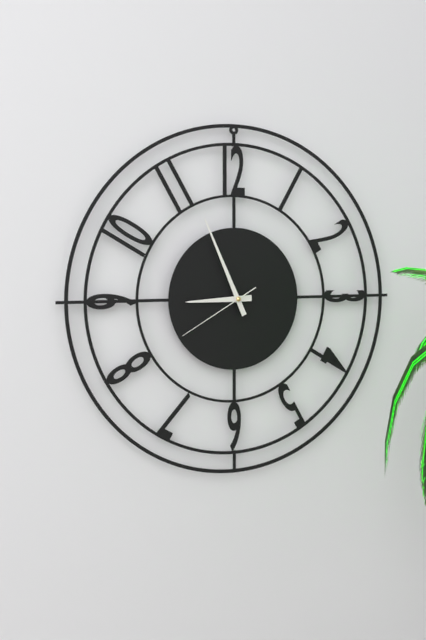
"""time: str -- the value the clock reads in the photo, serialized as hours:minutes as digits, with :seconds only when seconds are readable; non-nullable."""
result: 8:56:40
